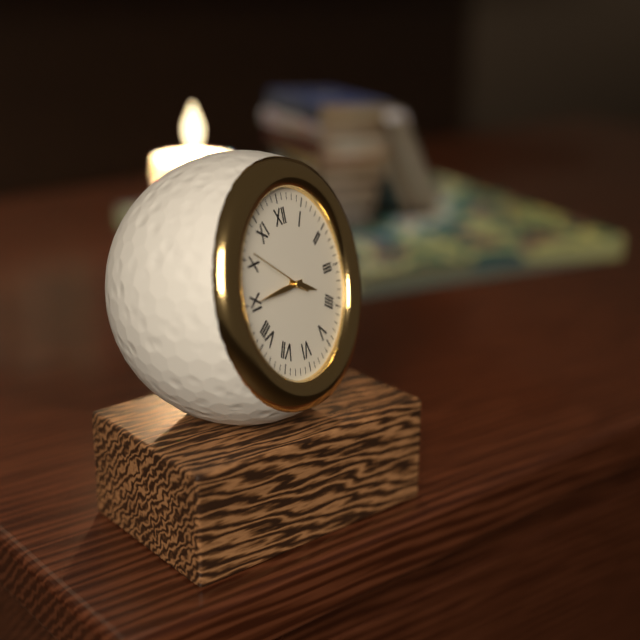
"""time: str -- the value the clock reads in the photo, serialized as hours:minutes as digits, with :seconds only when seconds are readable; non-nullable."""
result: 3:45:51
